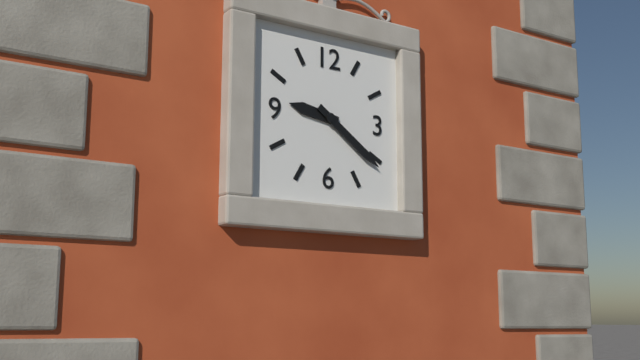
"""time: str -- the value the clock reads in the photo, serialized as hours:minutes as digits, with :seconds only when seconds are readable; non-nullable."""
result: 9:21
